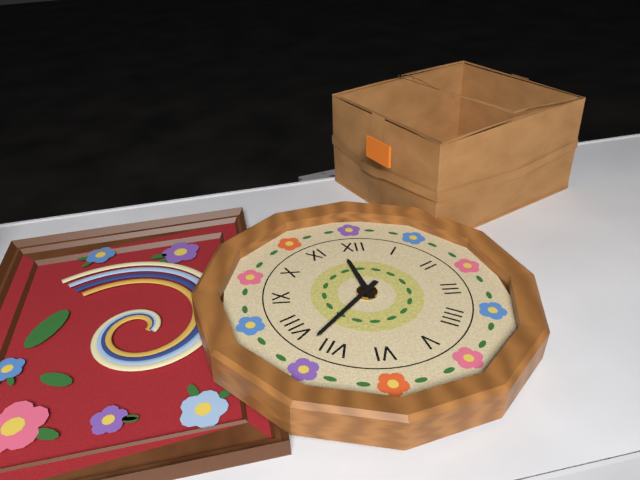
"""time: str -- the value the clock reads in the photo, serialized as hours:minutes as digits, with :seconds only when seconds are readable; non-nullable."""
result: 11:37
